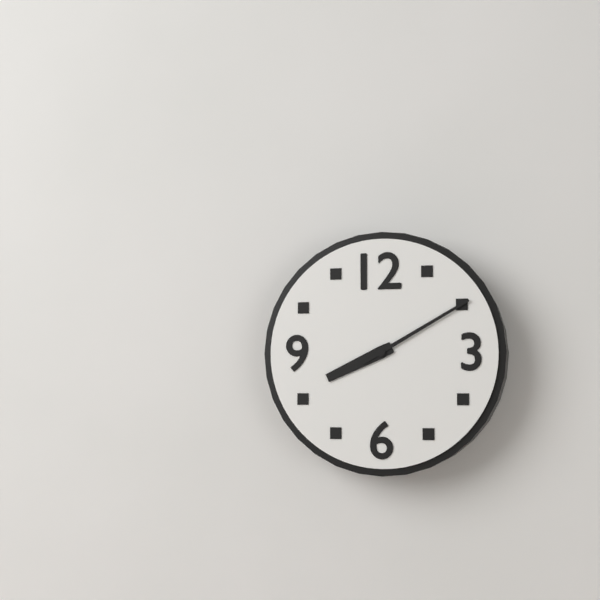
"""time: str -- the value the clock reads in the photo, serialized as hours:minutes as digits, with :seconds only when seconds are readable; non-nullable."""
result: 8:10
